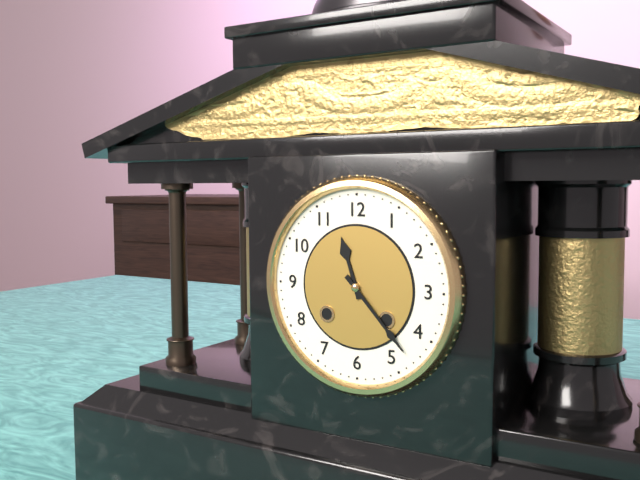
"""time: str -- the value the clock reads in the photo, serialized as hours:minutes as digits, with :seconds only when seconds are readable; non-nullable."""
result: 11:23
